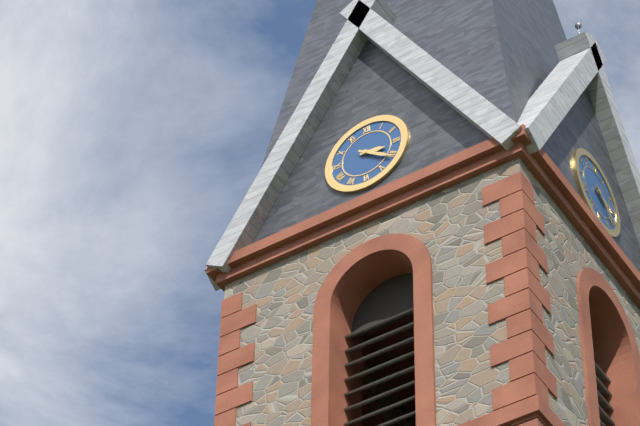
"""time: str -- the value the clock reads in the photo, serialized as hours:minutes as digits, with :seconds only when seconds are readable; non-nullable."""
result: 3:21
